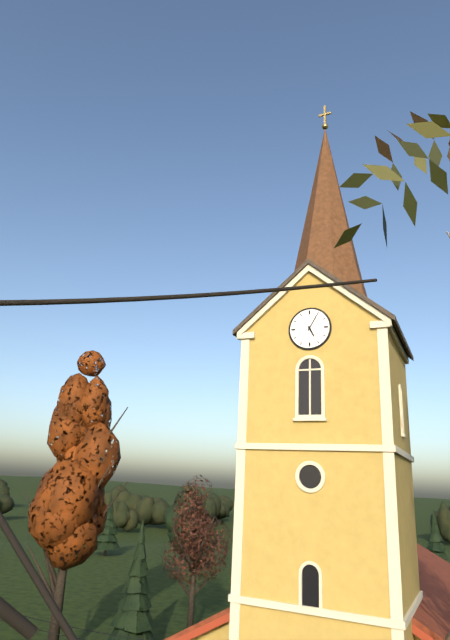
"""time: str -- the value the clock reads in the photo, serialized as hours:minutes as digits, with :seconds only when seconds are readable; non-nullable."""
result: 5:05
